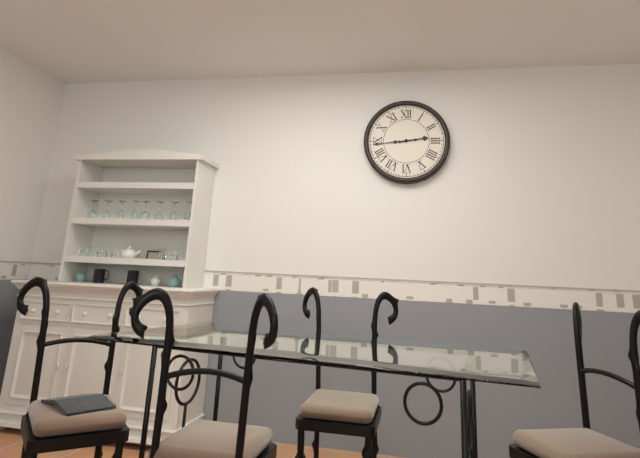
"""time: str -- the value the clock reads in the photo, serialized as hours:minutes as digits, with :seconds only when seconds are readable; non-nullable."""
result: 2:44
